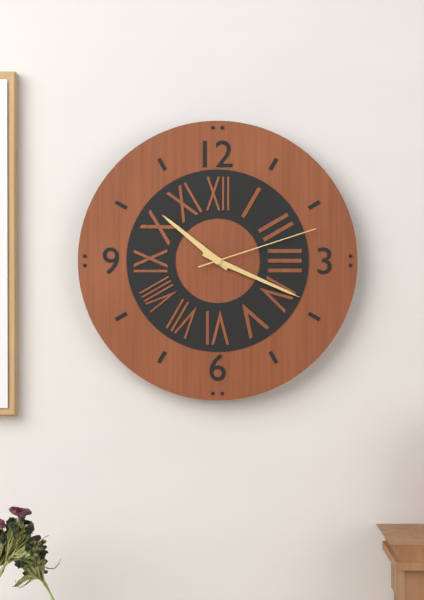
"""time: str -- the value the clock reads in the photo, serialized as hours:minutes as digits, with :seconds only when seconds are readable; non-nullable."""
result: 10:19:12
